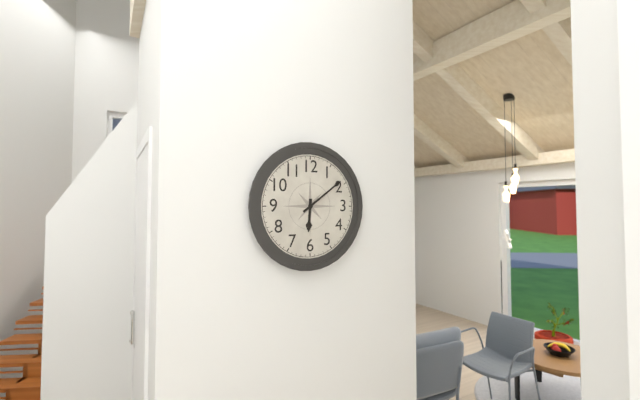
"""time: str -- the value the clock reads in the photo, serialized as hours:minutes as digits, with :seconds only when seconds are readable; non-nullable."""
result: 6:09
